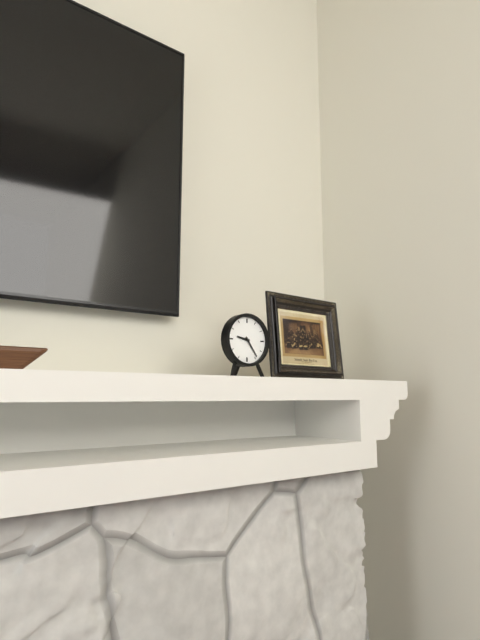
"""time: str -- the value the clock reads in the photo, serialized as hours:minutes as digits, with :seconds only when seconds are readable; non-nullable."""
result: 9:24
